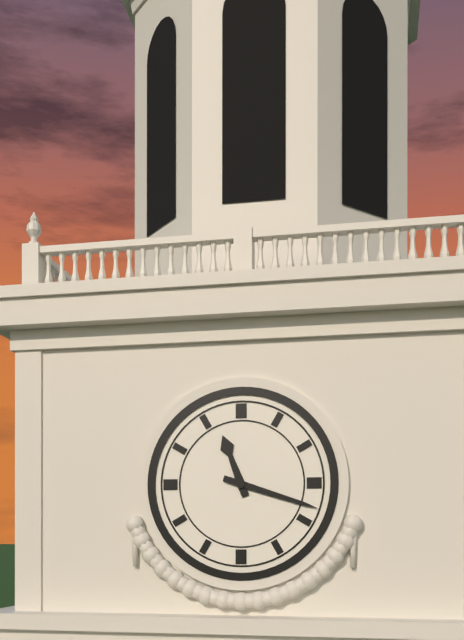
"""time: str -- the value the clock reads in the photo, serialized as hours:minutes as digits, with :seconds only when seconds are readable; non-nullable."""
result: 11:18
